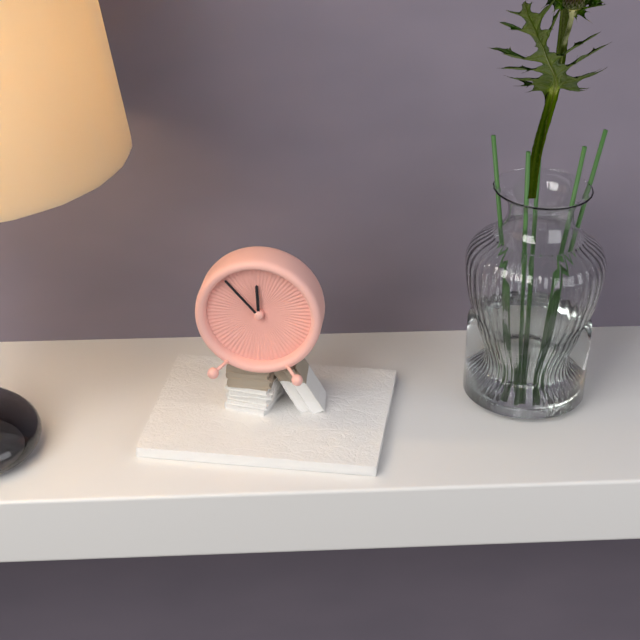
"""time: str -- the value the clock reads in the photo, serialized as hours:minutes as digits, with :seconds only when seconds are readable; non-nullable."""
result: 11:53
